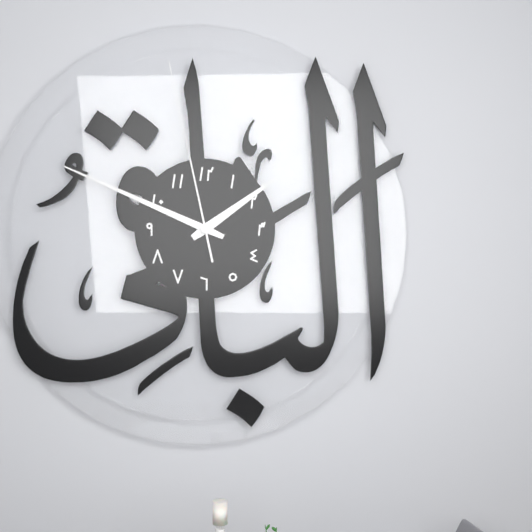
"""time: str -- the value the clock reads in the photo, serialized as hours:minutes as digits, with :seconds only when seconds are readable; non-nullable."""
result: 1:49:58
